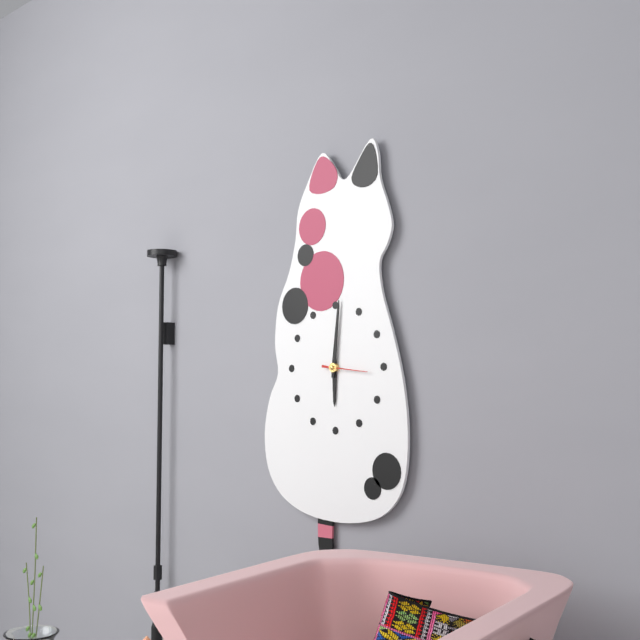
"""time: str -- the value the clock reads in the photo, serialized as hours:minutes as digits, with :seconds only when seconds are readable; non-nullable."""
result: 6:01
